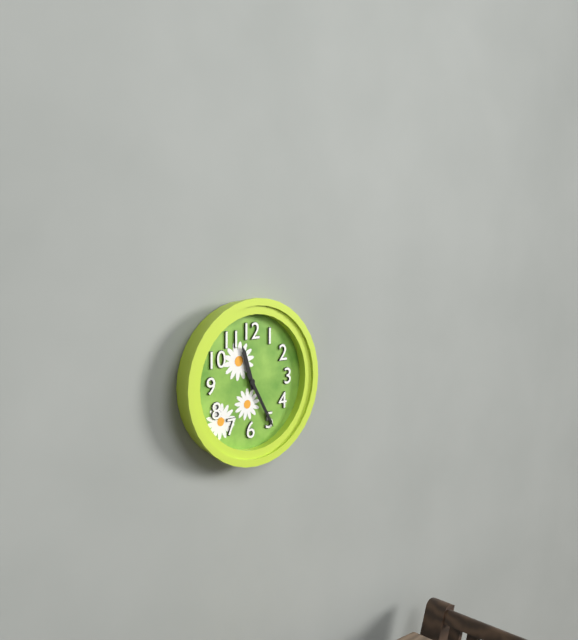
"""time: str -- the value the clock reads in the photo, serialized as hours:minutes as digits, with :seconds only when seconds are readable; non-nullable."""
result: 11:25
